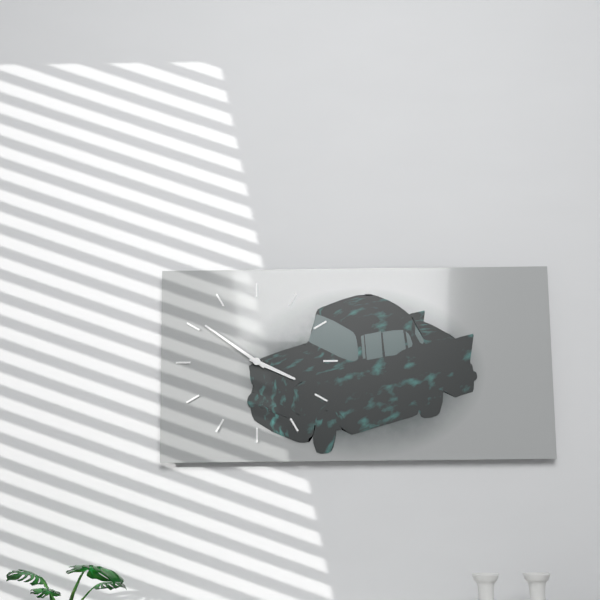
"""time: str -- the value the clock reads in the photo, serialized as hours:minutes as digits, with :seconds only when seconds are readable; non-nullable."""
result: 3:51
